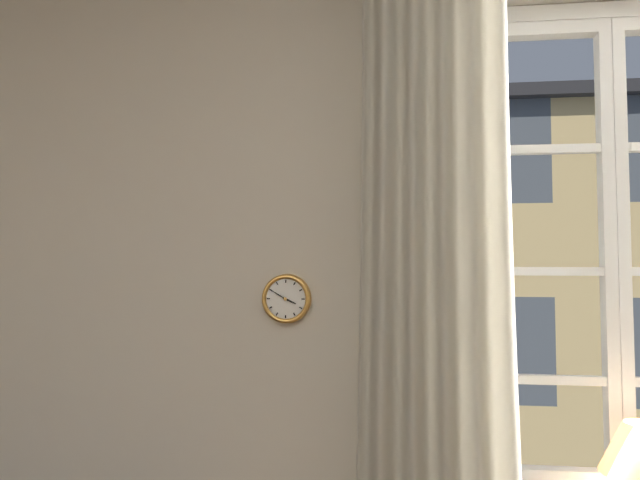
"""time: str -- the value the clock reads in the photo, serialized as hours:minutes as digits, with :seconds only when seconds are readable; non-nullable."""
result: 3:50
